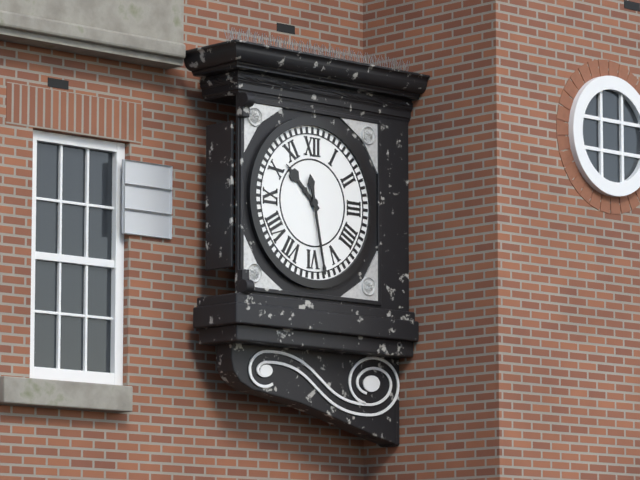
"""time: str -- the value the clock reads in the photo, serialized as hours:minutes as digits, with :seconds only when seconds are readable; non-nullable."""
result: 10:28
